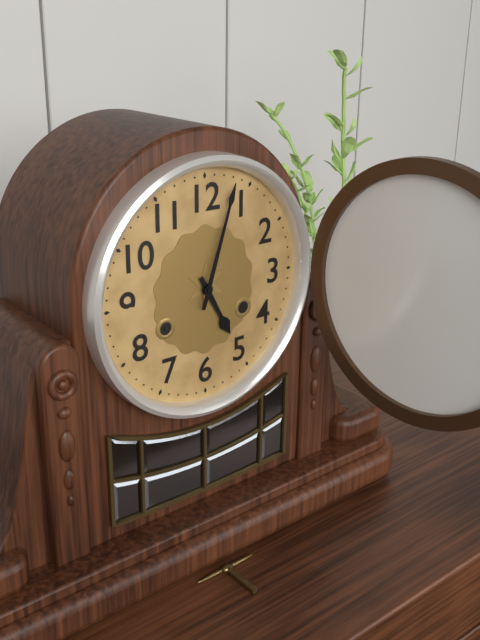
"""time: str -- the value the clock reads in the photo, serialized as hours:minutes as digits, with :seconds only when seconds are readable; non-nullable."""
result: 5:03
